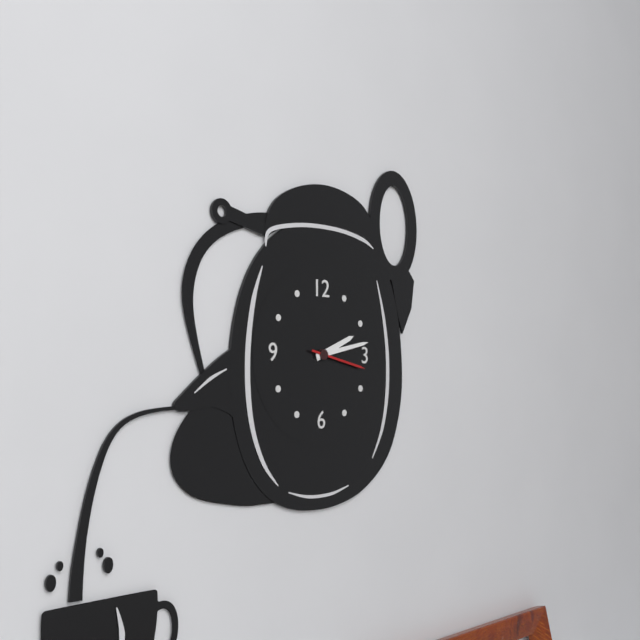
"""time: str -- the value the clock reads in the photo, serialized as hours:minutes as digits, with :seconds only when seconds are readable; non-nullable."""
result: 2:13:17
